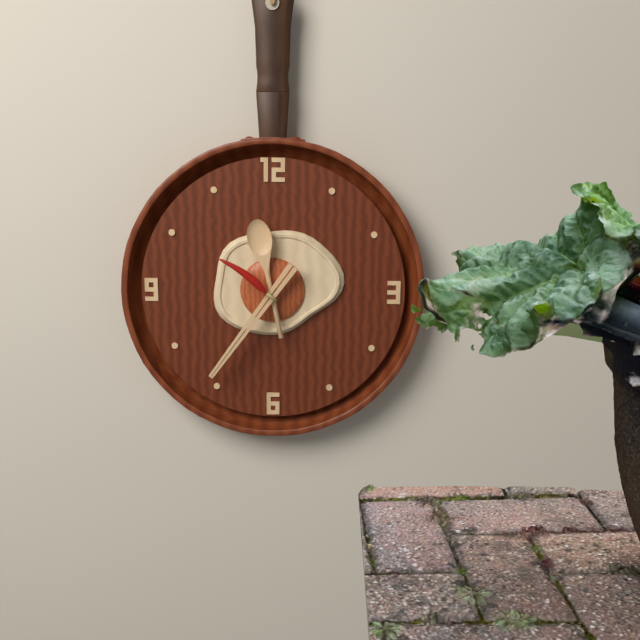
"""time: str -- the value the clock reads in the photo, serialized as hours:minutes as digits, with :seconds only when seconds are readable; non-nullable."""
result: 11:36:51
